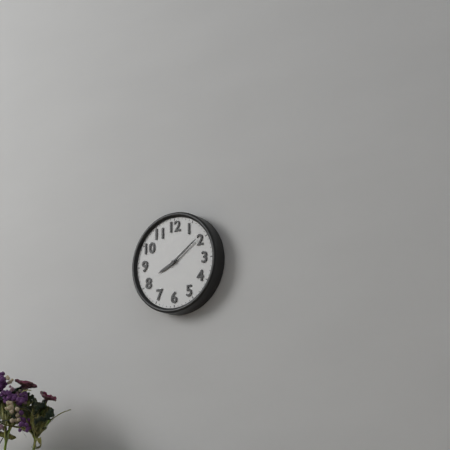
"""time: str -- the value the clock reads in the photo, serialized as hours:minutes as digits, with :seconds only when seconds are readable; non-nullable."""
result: 8:09
